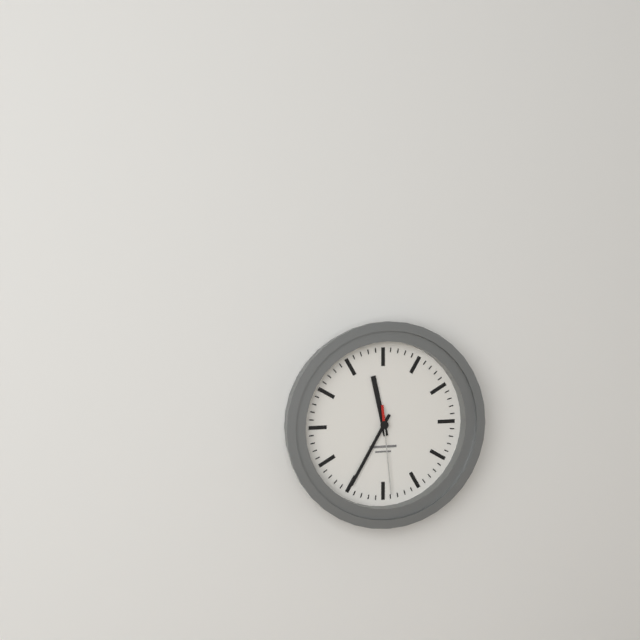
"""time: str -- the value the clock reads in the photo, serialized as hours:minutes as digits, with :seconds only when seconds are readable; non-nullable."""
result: 11:35:29
